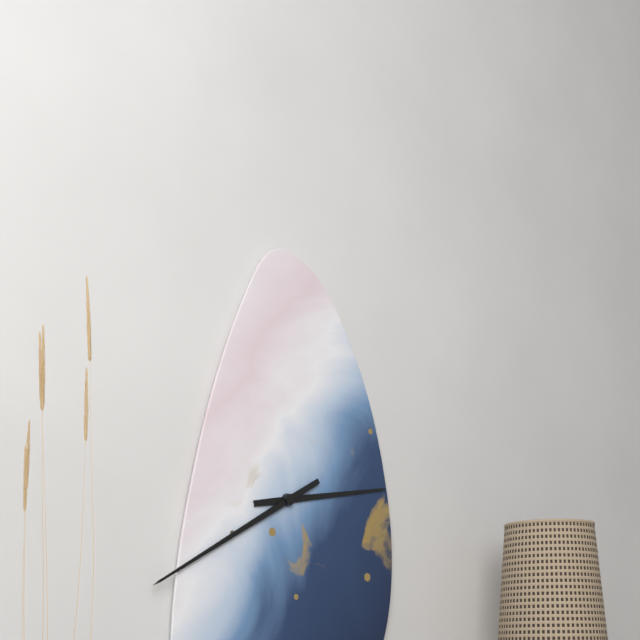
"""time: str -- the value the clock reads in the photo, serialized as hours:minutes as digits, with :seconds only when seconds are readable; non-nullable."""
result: 2:40
